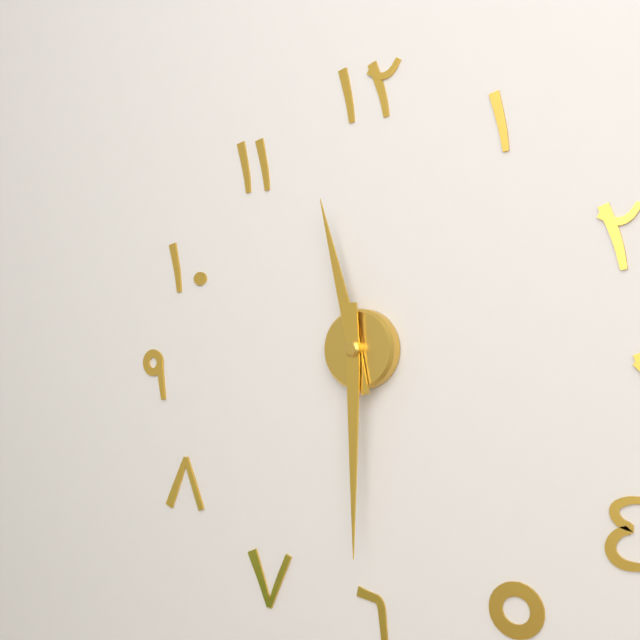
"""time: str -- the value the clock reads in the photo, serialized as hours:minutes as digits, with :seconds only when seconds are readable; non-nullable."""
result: 11:30
